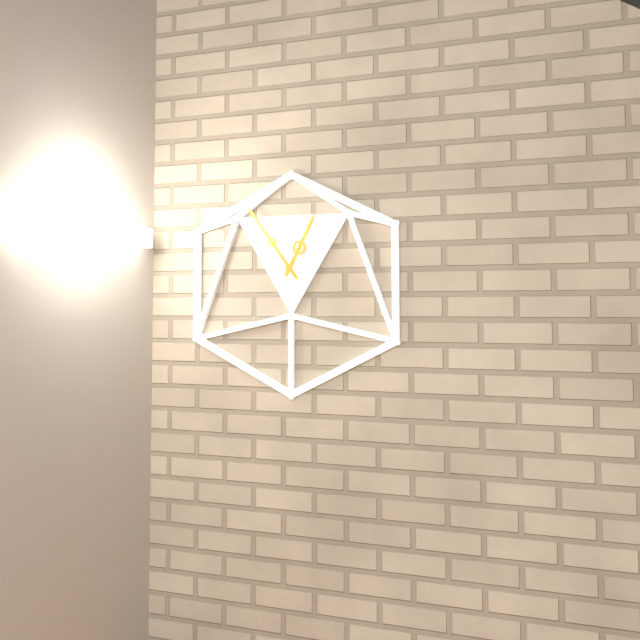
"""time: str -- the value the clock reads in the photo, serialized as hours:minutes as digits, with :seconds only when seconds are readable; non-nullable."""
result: 12:54
